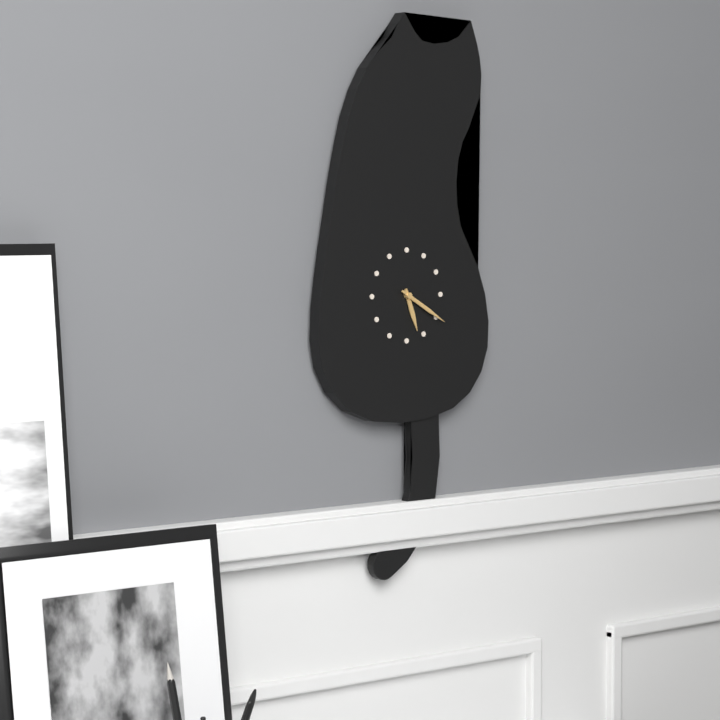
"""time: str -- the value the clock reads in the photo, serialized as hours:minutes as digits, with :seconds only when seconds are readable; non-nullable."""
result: 5:20
